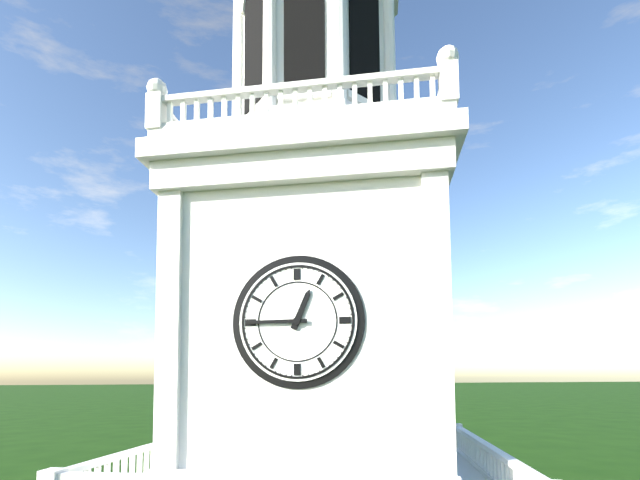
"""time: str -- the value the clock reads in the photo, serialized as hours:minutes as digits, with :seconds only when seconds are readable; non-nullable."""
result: 12:45
